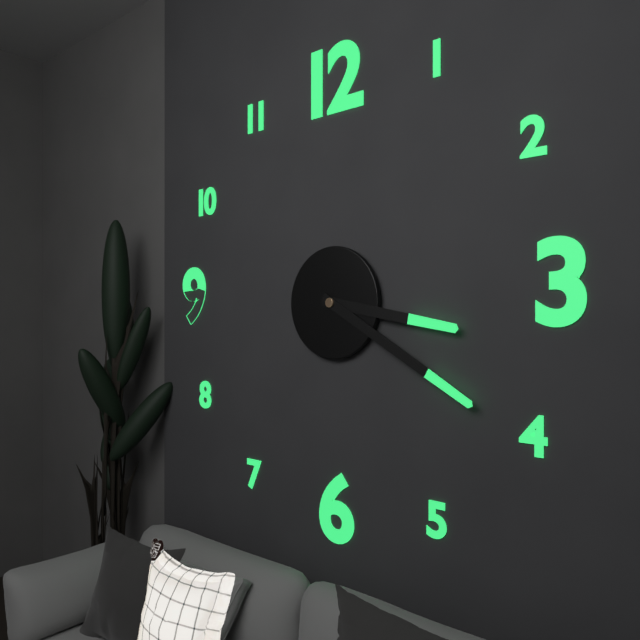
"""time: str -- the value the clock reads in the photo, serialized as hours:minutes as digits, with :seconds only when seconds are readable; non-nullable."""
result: 3:20
